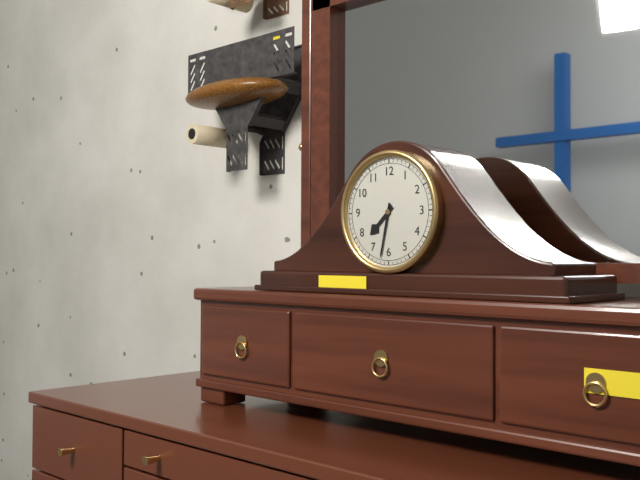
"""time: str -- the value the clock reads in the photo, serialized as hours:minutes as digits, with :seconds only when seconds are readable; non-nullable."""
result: 7:32
